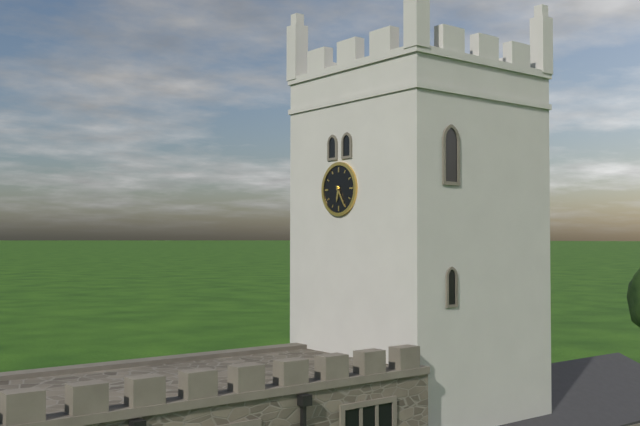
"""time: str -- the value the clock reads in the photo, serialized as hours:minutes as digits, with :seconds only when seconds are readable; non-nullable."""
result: 6:25
